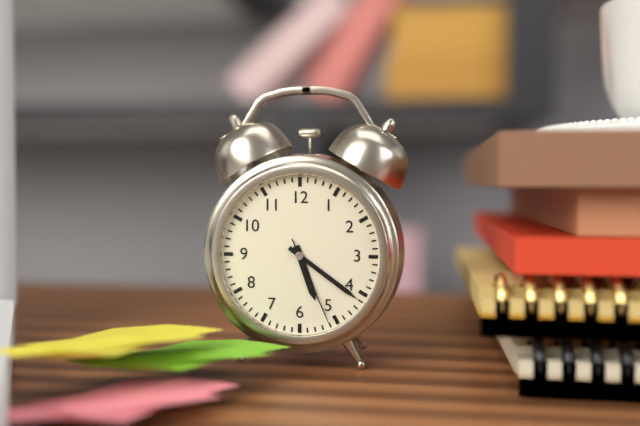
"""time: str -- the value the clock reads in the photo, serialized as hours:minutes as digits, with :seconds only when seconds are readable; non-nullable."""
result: 5:21:26
